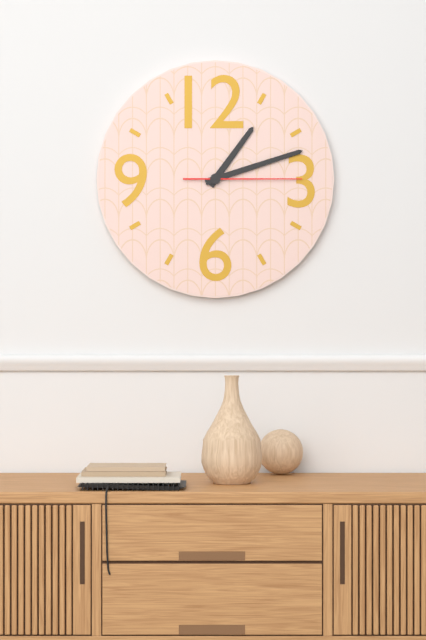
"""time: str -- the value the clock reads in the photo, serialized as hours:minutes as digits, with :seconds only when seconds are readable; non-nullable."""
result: 1:12:15
